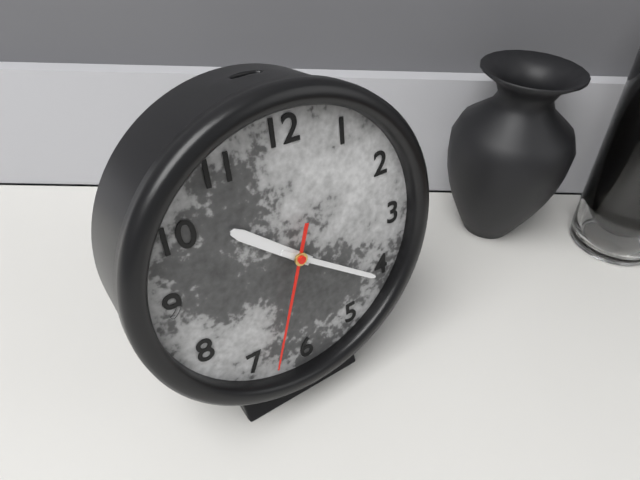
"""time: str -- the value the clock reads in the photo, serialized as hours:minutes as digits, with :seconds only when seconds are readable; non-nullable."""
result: 10:21:33
